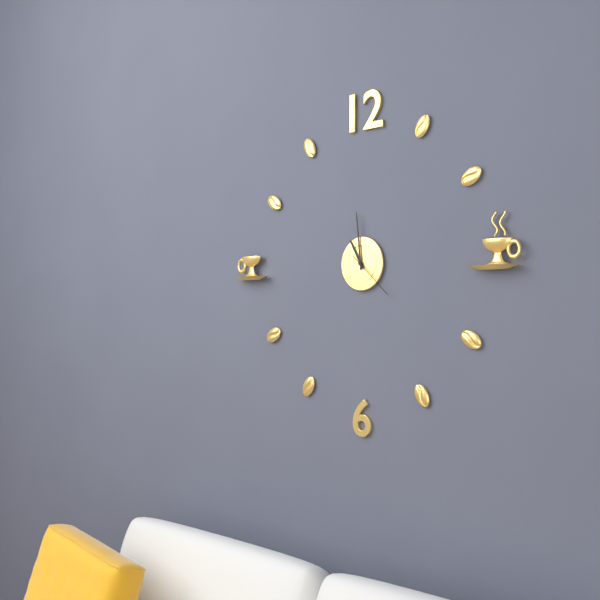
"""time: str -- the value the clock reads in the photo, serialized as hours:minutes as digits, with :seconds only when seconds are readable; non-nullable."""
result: 10:59:22
